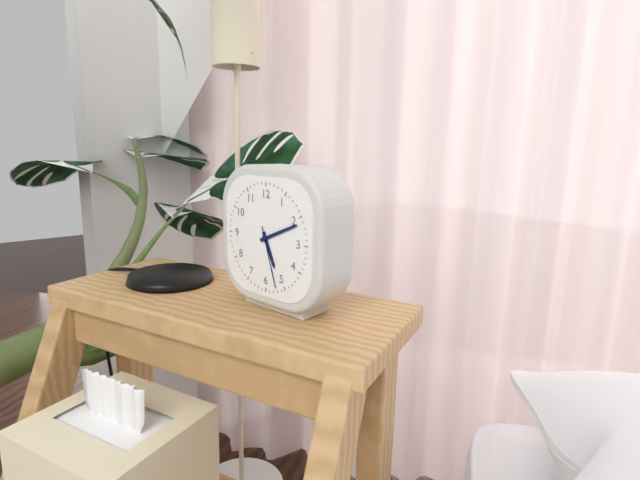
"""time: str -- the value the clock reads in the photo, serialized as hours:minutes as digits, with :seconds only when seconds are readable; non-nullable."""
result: 5:11:27
